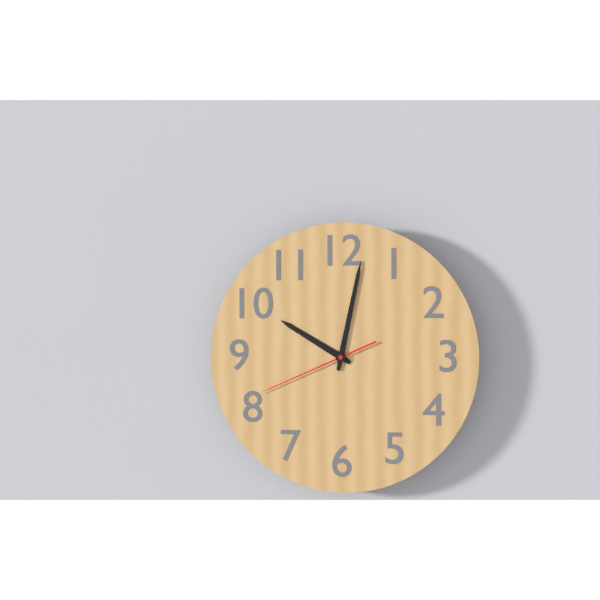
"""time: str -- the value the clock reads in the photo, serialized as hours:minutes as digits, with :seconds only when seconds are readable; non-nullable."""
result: 10:02:41
